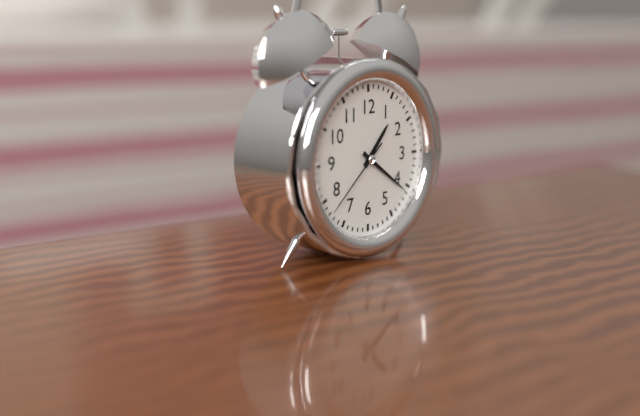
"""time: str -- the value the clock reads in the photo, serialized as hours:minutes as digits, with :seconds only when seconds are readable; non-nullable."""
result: 1:21:38
